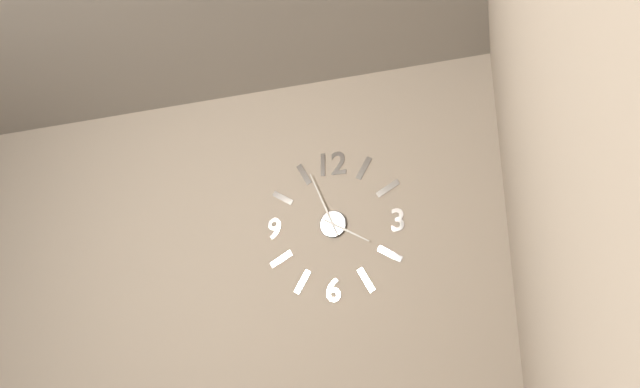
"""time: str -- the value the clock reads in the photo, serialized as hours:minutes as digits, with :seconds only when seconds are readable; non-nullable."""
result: 3:56
